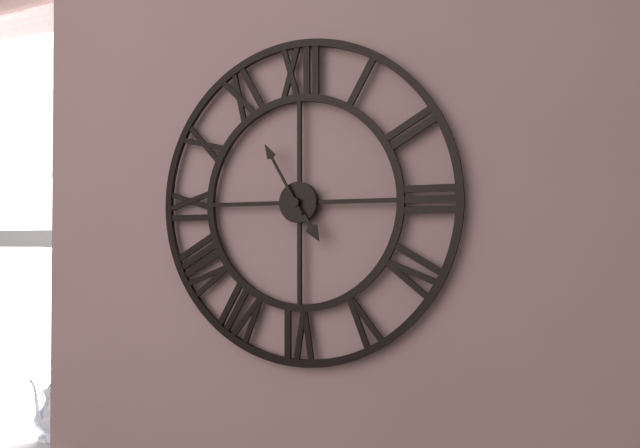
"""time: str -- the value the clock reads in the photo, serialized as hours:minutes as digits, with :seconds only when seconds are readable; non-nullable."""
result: 4:55
